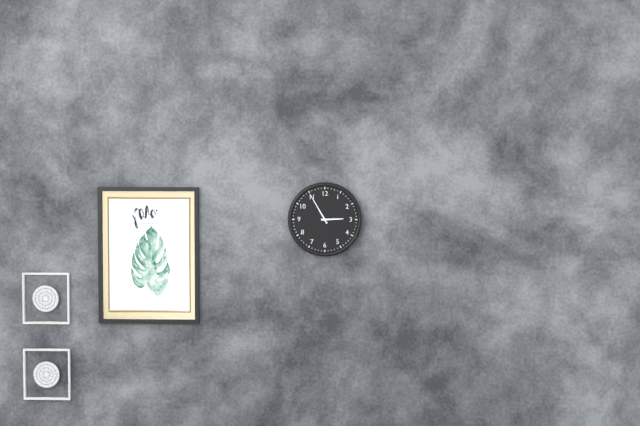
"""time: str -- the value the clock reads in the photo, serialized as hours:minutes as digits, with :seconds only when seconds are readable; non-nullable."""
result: 2:55
